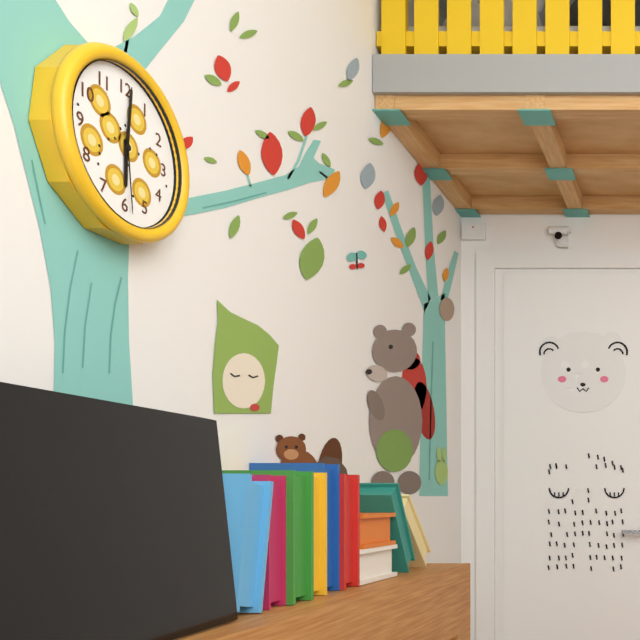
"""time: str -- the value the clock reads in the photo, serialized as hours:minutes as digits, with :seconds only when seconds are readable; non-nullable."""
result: 6:01:29
